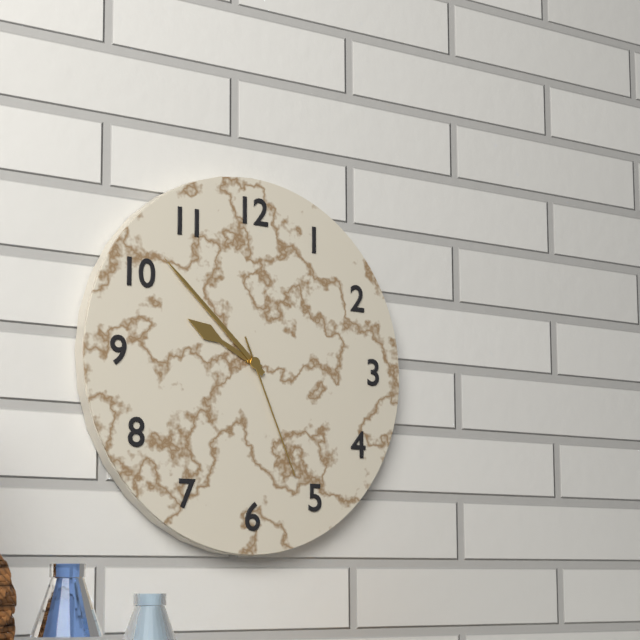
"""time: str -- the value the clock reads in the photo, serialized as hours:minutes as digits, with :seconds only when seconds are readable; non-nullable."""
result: 9:52:26
